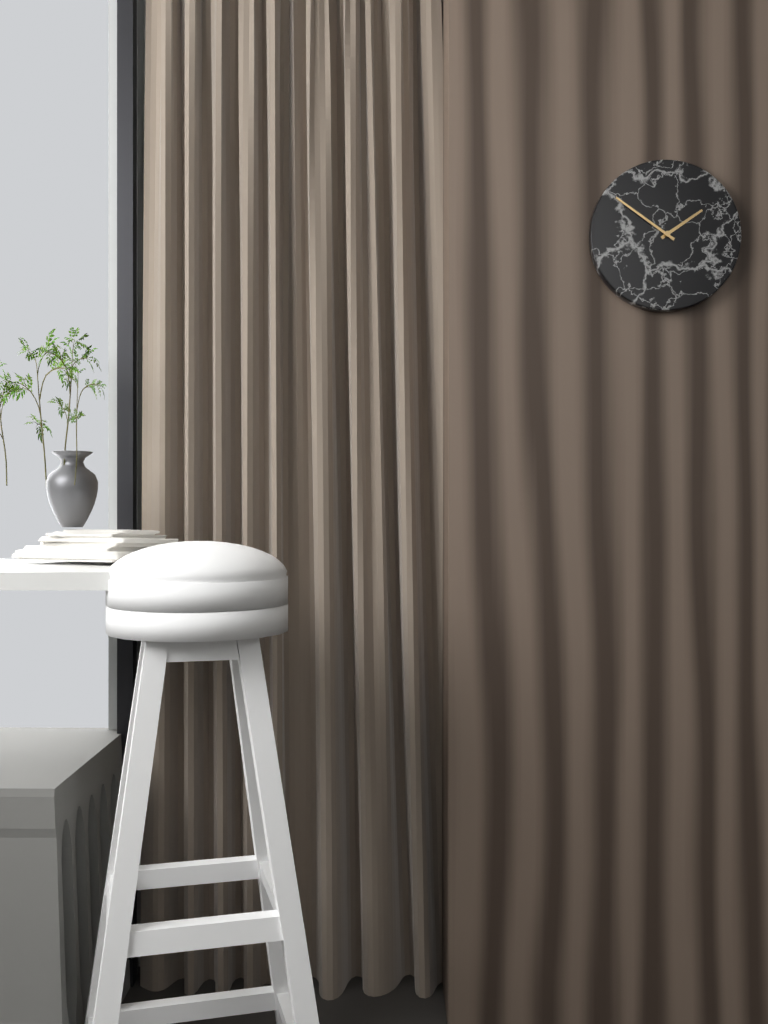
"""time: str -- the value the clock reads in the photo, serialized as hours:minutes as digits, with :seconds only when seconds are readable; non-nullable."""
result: 1:51
